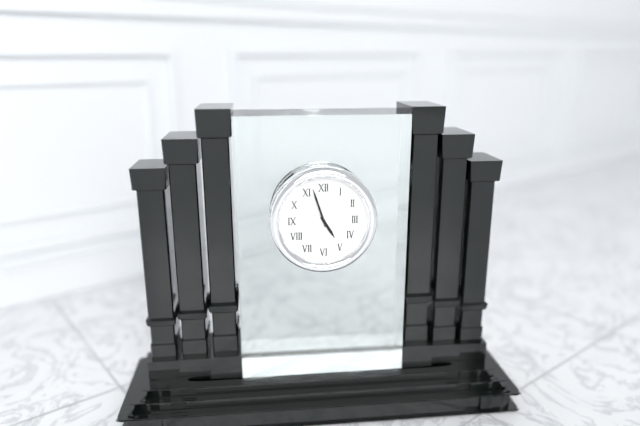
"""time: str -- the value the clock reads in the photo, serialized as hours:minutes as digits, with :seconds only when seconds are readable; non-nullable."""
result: 4:57
